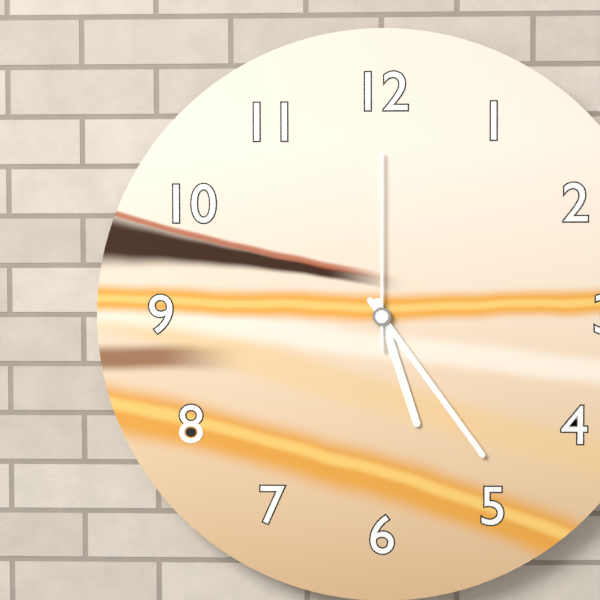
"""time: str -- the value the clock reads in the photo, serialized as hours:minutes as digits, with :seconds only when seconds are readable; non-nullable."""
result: 5:24:00
